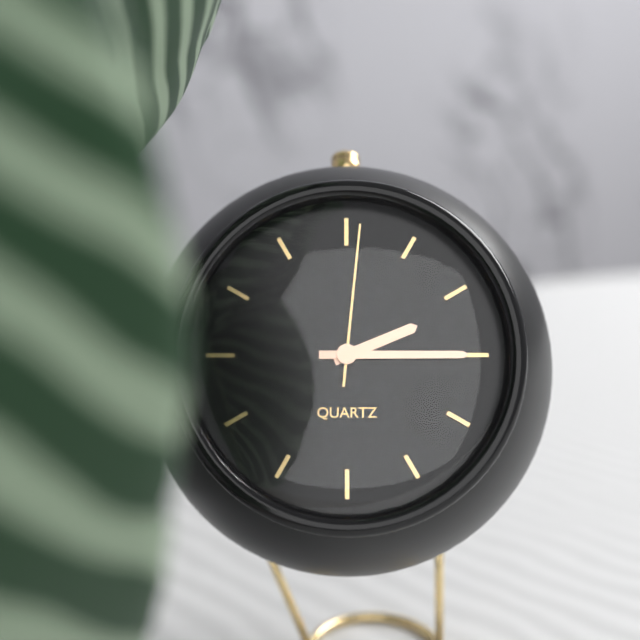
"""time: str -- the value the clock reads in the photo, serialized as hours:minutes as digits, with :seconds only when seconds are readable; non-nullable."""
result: 2:15:01
